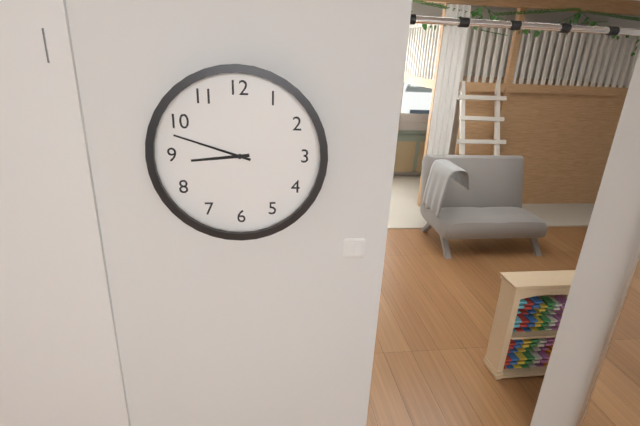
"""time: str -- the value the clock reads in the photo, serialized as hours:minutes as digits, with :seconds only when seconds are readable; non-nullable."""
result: 8:48
